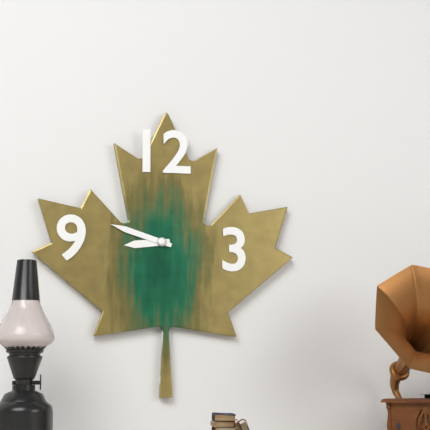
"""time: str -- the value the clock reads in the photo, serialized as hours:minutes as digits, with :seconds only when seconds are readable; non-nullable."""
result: 8:48
